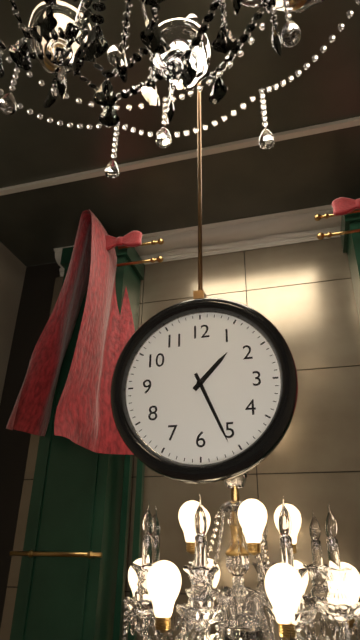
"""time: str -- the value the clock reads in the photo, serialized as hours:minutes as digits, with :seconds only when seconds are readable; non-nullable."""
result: 1:26
